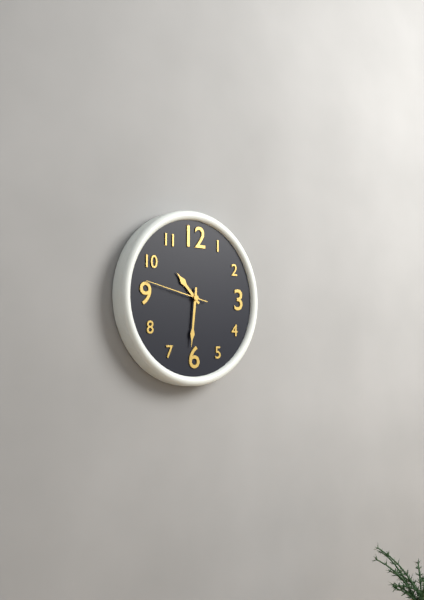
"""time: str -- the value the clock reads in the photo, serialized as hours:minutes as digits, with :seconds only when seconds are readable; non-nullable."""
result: 10:31:47
